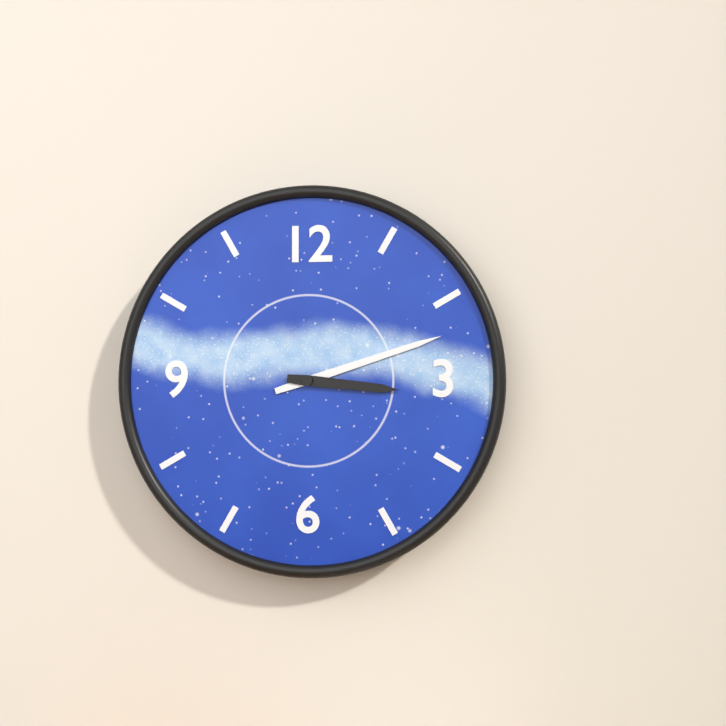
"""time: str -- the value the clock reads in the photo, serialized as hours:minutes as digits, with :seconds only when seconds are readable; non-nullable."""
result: 3:12
